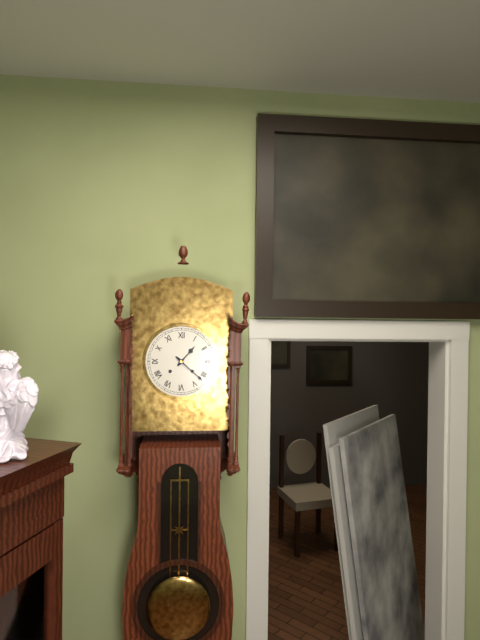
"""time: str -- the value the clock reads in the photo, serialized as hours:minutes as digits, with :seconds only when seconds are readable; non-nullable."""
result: 1:22
